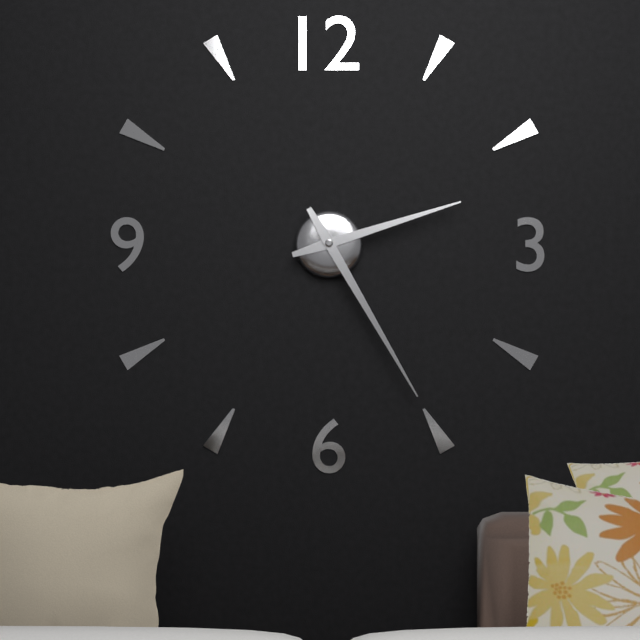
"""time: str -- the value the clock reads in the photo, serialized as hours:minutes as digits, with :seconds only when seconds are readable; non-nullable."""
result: 2:25
